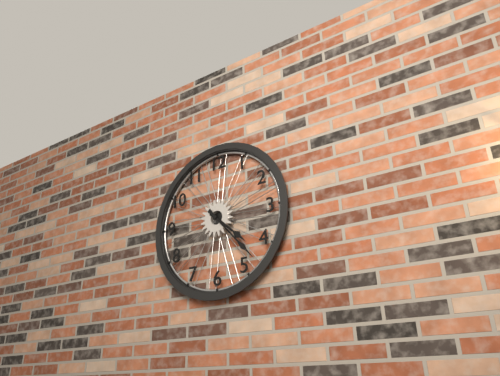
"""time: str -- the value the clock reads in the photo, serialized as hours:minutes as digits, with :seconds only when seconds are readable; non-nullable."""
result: 4:23
